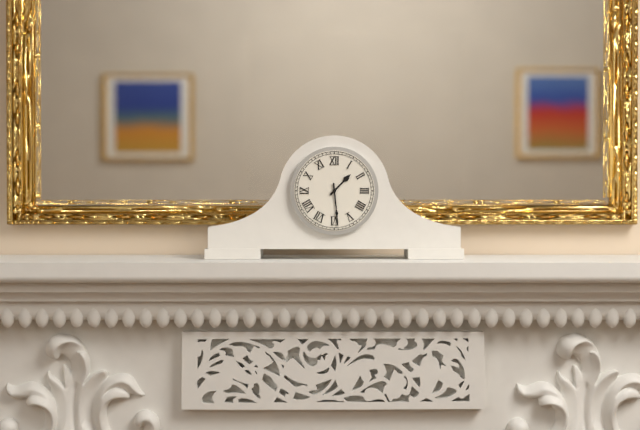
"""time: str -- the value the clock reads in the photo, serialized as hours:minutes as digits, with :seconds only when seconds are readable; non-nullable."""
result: 1:29
